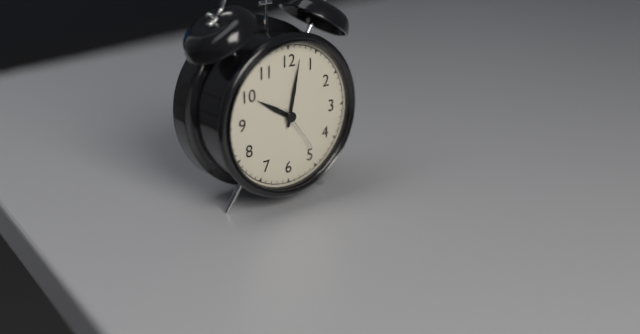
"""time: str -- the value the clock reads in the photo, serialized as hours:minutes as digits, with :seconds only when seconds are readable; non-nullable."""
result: 10:02
